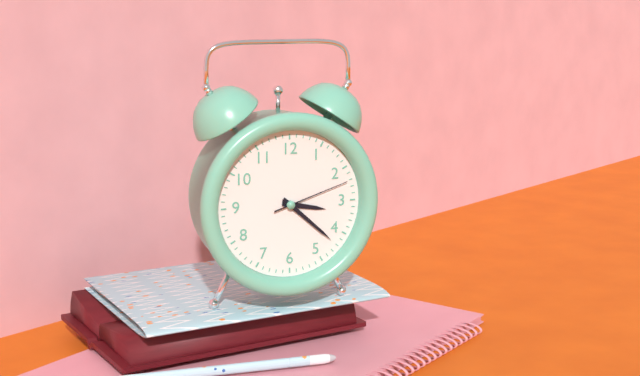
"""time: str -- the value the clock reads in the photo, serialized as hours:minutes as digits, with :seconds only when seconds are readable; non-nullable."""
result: 3:22:12
